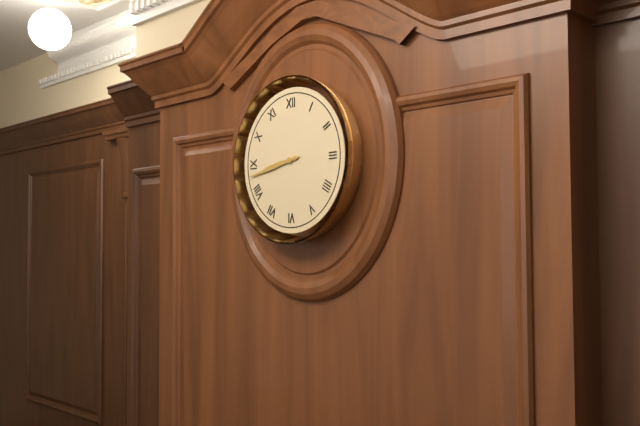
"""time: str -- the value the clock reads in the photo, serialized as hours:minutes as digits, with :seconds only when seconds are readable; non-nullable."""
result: 8:43
